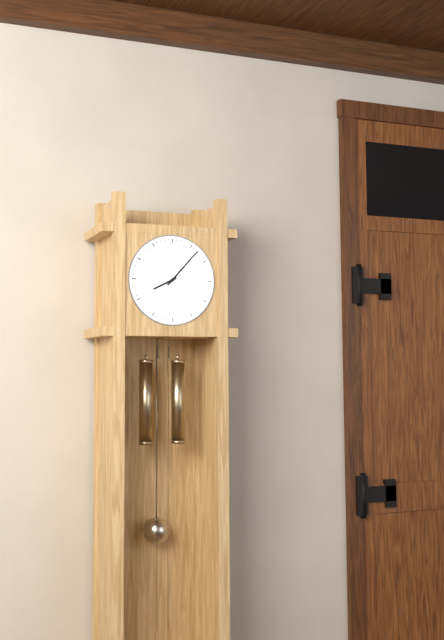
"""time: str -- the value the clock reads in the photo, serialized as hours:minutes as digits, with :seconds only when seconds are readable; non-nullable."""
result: 8:07
